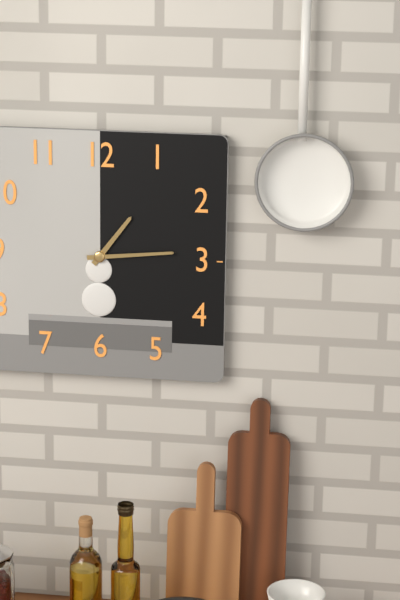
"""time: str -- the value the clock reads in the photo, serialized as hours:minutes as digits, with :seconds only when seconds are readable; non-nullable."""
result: 1:14
